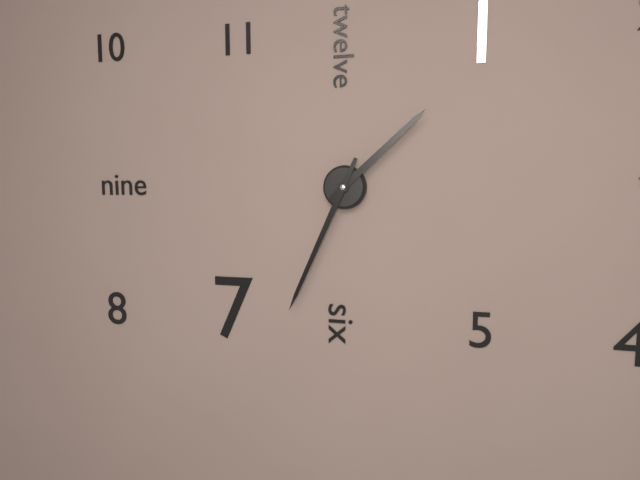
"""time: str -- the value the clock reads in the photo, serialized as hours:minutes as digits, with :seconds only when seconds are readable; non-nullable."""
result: 1:34
